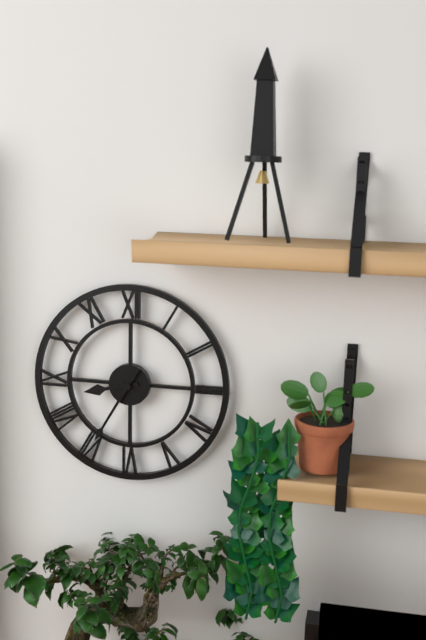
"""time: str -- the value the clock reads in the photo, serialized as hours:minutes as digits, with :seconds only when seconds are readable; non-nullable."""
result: 8:35
